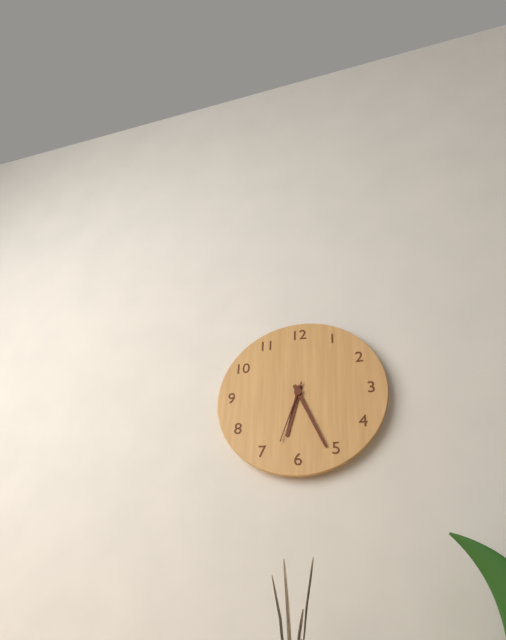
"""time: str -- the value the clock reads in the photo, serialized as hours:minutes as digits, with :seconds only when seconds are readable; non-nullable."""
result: 6:26:33
